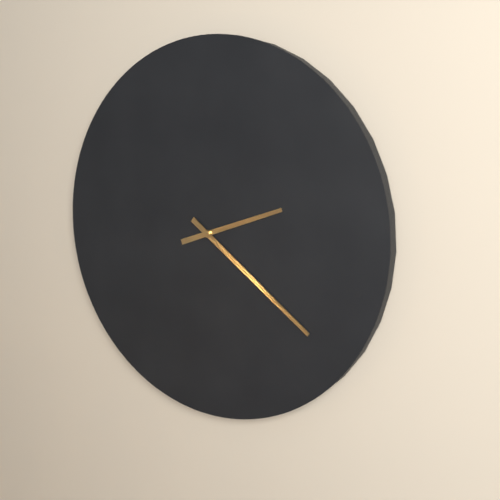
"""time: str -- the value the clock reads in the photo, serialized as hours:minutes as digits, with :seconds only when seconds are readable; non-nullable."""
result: 2:21
